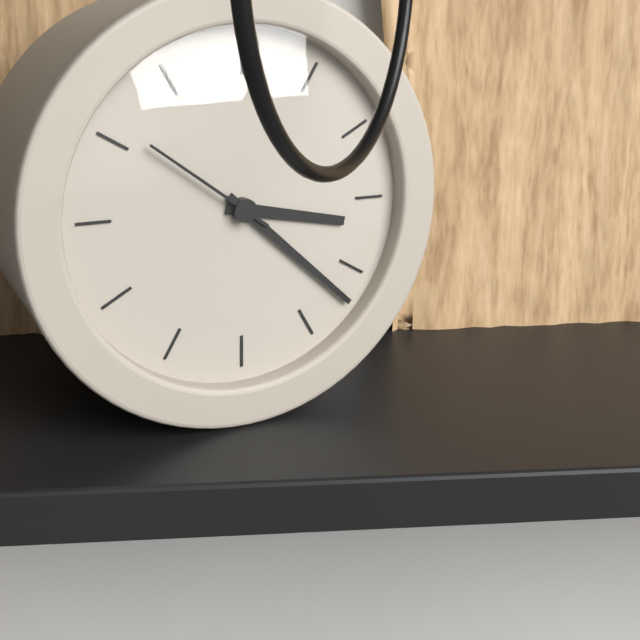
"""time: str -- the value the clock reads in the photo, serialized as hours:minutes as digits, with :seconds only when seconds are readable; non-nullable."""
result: 3:22:51
